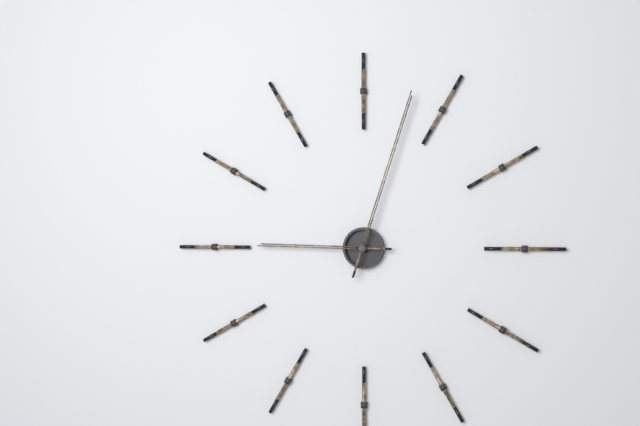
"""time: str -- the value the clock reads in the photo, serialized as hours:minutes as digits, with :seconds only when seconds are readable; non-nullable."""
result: 9:03
